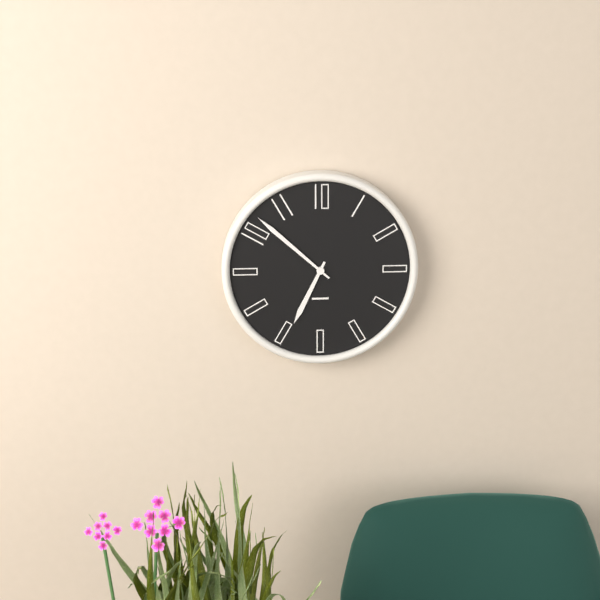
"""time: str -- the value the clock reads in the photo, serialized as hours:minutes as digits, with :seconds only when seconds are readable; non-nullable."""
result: 6:52
